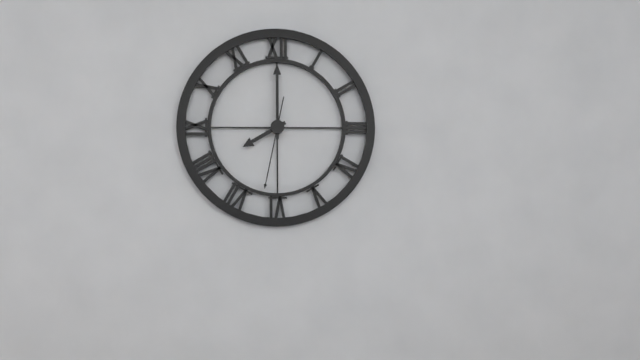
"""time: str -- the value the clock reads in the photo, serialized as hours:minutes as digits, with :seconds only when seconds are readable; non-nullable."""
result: 8:00:32
